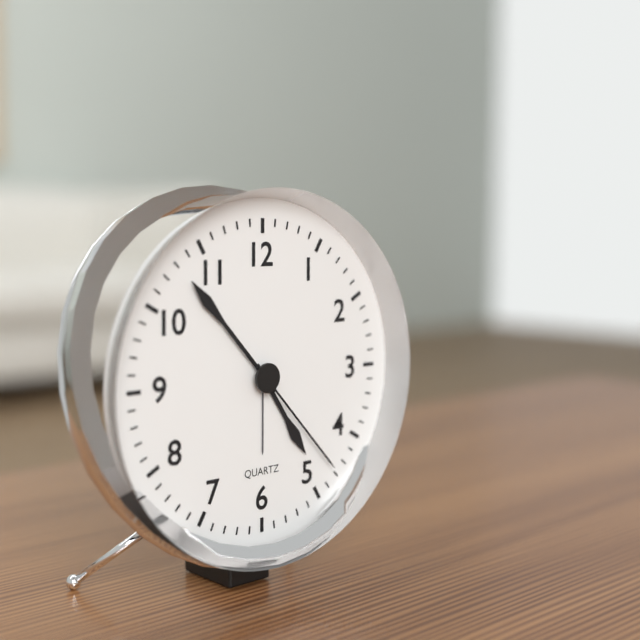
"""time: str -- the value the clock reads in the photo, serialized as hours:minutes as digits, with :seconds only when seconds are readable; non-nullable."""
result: 4:53:23
